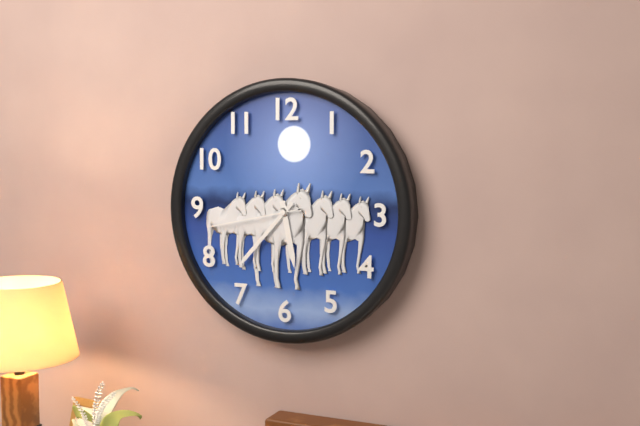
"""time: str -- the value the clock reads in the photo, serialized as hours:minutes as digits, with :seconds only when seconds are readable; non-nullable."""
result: 5:37:43
